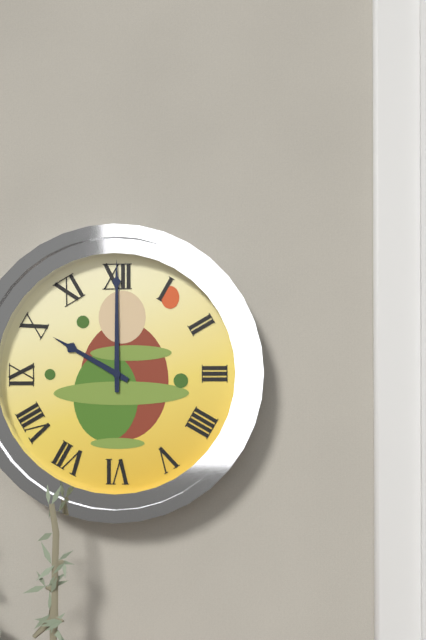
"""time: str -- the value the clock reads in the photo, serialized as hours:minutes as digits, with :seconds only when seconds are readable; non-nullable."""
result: 10:00
